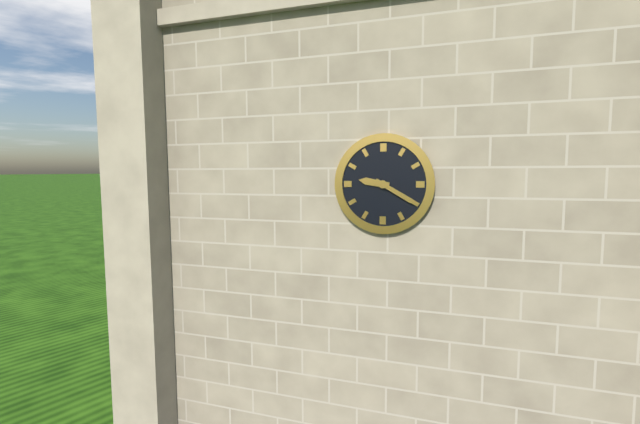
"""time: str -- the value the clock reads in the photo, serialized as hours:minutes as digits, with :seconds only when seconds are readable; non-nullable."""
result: 9:20
